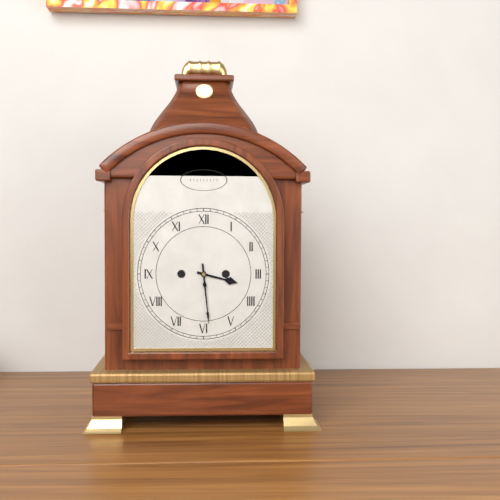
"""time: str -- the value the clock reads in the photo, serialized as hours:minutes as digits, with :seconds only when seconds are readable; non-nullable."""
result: 3:29
